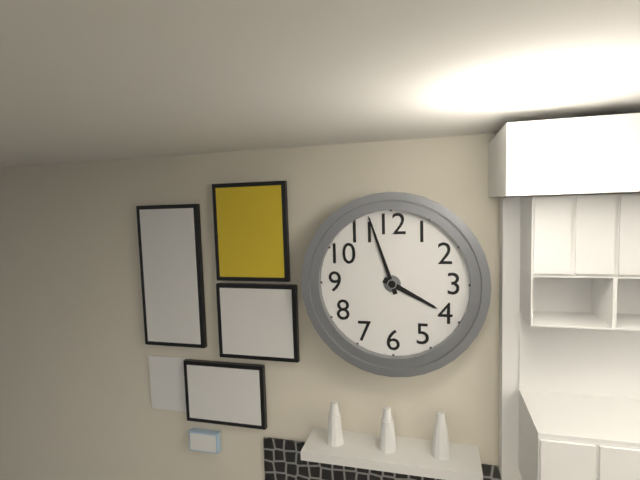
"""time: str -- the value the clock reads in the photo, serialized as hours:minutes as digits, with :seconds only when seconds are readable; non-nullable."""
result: 3:57
